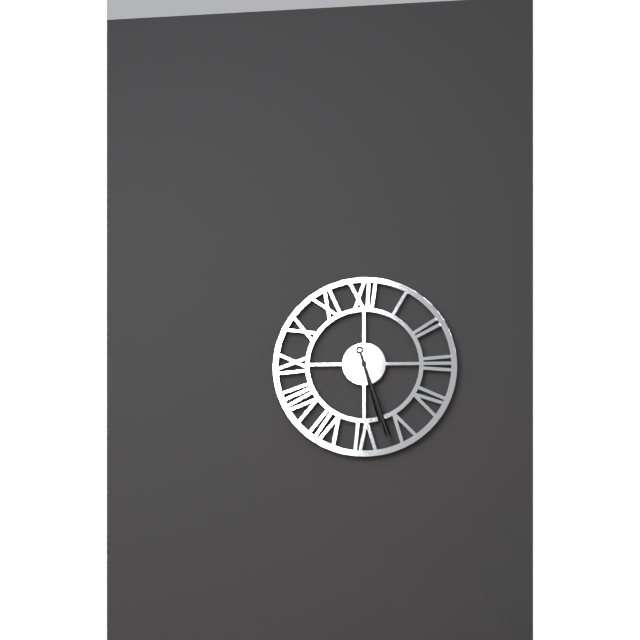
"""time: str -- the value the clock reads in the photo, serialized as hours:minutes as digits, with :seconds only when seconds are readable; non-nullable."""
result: 5:27
